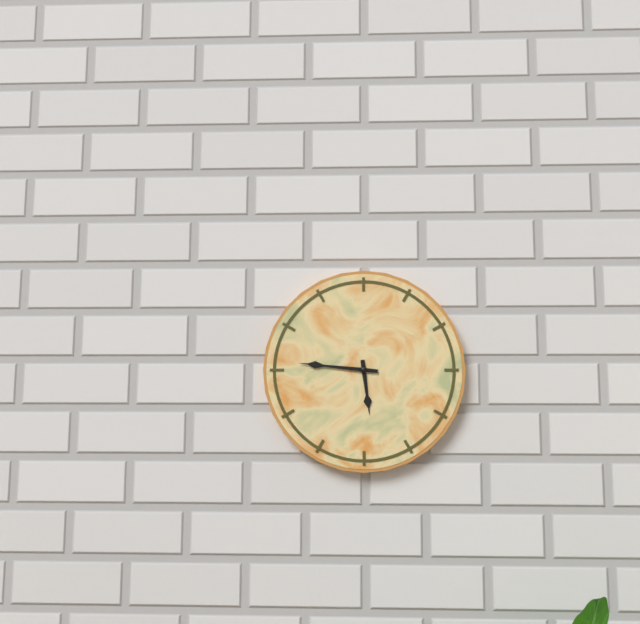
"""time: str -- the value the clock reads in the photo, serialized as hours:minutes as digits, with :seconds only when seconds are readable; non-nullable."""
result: 5:46
